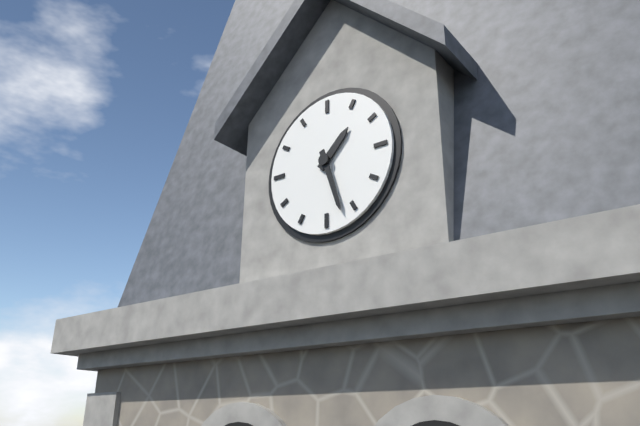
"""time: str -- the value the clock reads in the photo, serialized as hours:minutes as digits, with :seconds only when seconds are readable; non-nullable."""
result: 1:27
